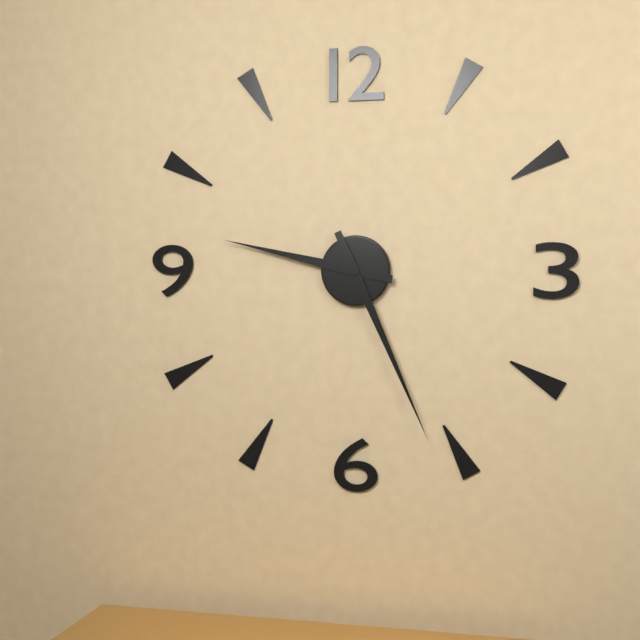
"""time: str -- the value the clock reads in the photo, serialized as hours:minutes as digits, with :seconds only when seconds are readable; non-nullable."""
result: 9:26
